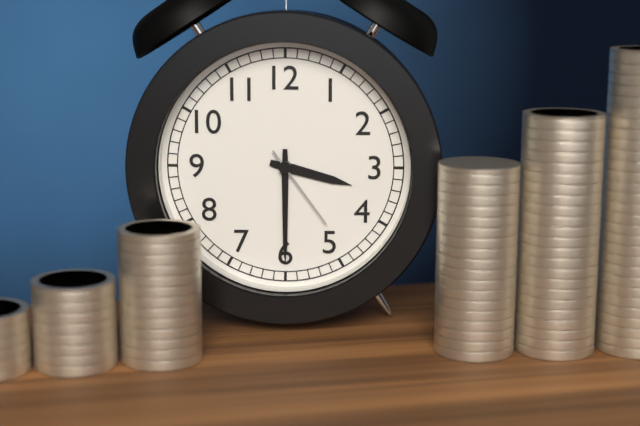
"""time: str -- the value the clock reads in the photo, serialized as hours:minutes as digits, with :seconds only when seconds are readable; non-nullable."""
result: 3:30:24
